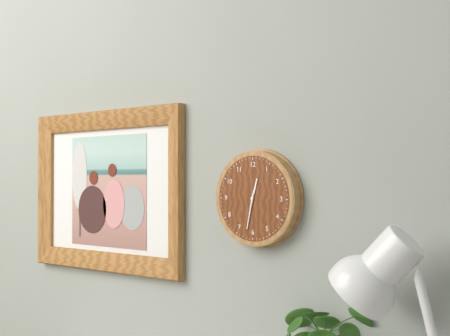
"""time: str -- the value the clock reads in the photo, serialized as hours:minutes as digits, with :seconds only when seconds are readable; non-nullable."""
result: 12:32
